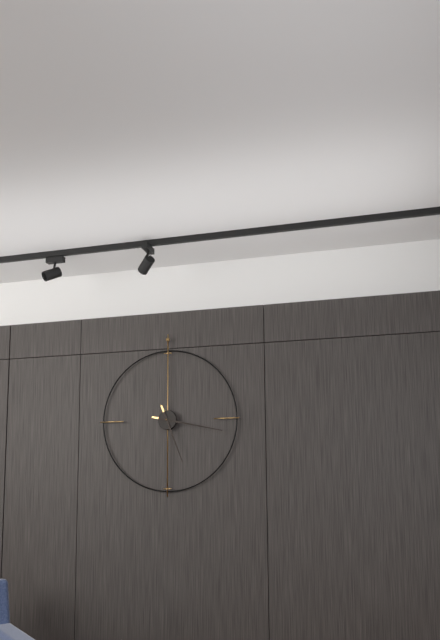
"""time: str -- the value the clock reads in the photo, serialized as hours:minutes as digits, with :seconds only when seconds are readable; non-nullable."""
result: 5:17
